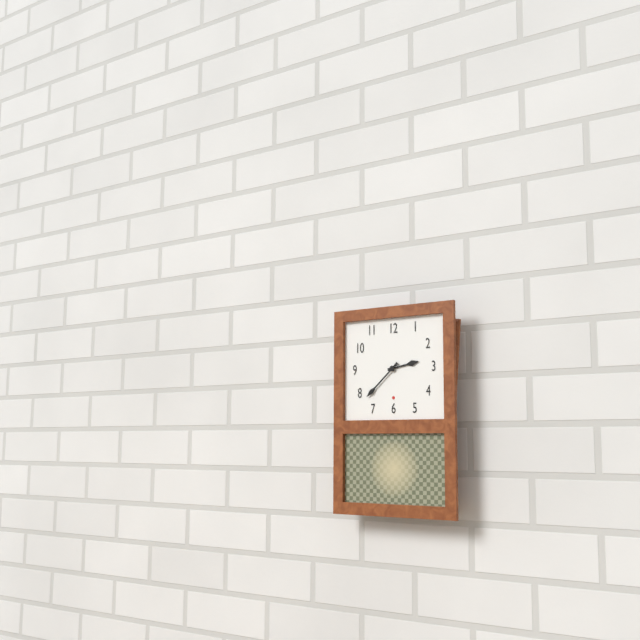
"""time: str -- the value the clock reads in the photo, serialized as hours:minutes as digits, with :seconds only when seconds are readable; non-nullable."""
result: 2:38
